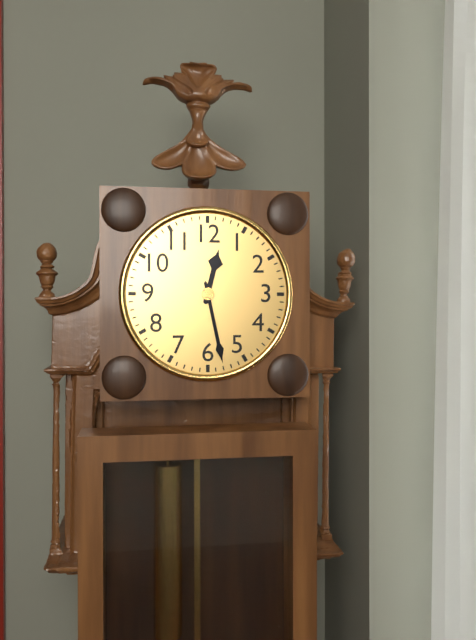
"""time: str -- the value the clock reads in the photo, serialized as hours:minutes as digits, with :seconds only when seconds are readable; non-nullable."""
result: 12:28
